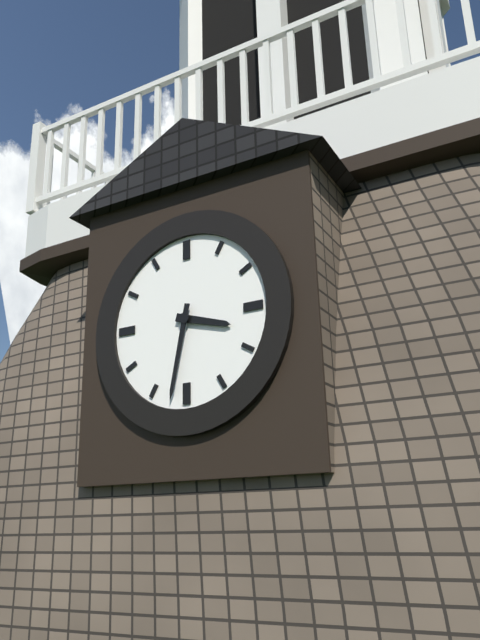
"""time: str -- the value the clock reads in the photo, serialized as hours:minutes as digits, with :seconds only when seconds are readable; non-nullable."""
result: 3:32
